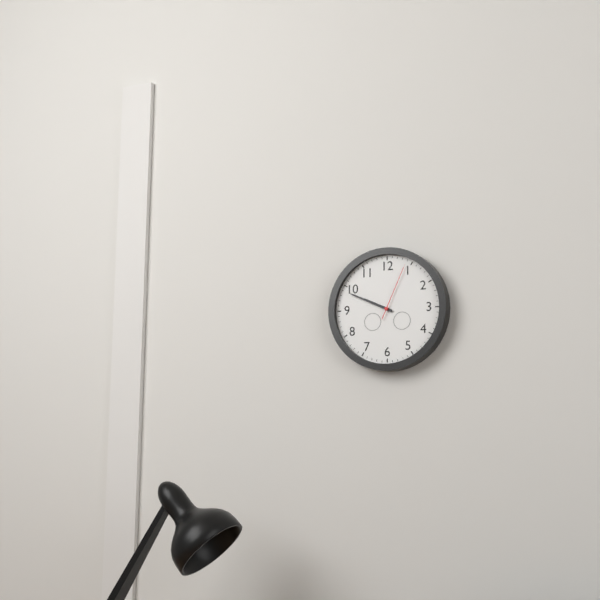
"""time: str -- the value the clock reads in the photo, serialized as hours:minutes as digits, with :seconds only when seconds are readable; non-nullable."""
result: 9:49:04
